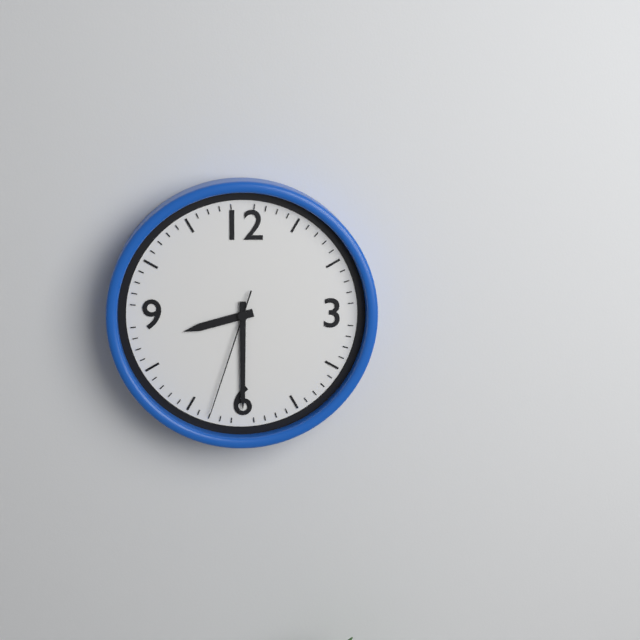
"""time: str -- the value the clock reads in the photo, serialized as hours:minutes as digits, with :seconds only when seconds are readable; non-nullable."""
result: 8:30:33
